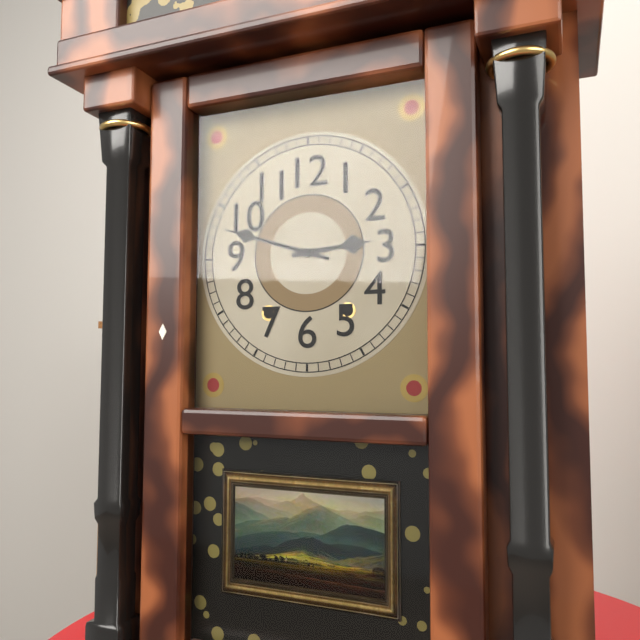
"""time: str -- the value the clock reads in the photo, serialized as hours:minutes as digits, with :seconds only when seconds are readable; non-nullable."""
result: 2:48
